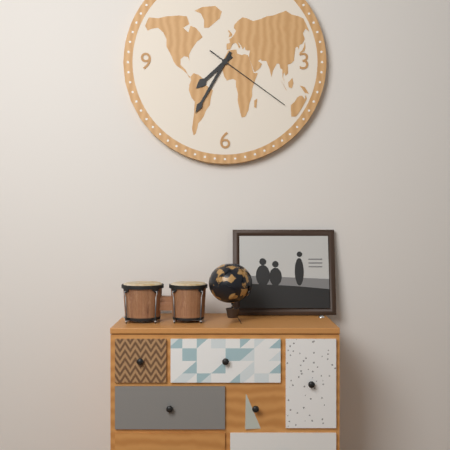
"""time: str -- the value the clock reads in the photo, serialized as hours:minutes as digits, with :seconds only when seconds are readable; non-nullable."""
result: 7:35:21
